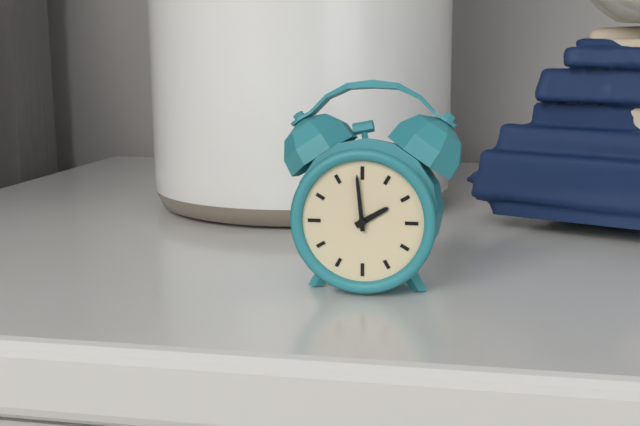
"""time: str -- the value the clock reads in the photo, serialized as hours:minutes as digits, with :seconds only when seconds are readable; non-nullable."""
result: 1:59
